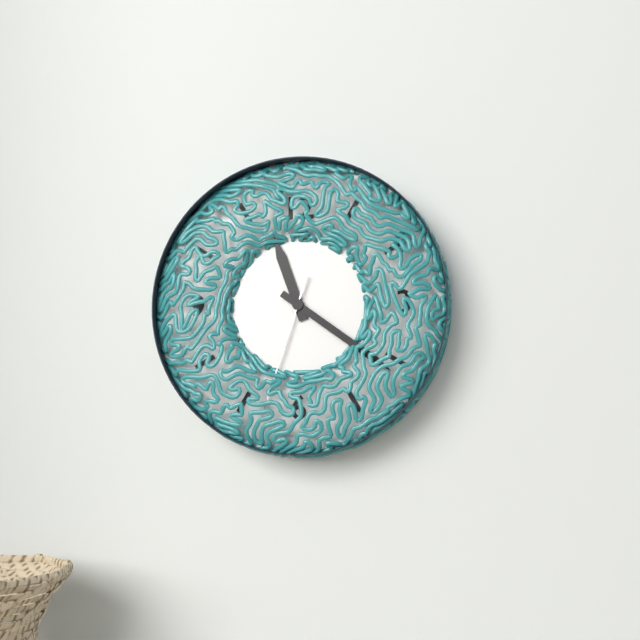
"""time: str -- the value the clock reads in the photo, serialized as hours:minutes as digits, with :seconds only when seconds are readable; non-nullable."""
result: 11:21
